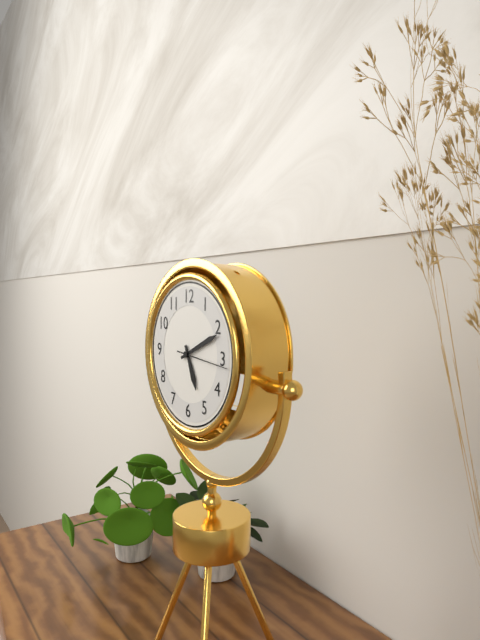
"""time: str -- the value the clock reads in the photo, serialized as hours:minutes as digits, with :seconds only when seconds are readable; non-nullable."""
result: 5:11:16
